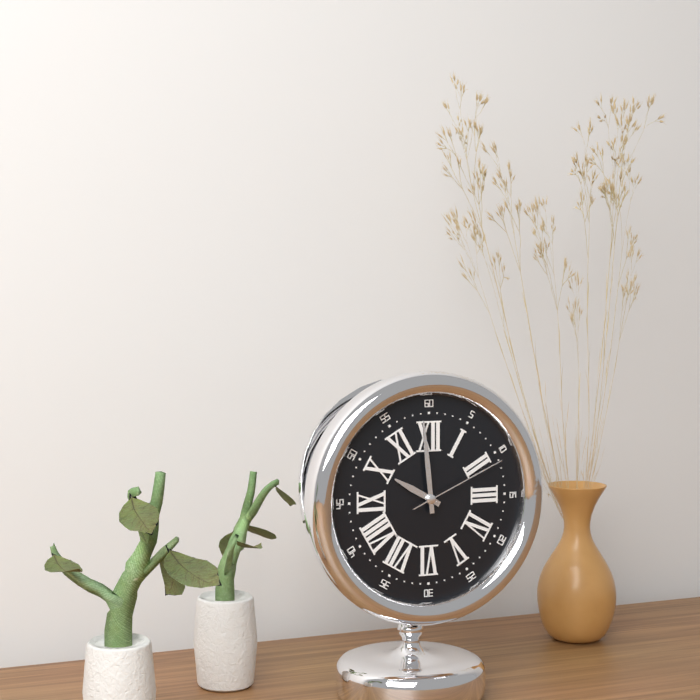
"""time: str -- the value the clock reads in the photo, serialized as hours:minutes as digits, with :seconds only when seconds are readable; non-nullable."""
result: 9:59:11
